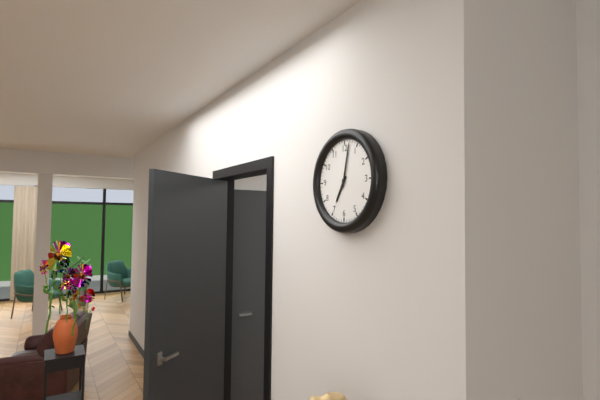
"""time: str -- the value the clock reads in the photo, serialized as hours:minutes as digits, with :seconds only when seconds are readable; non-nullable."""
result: 7:02
